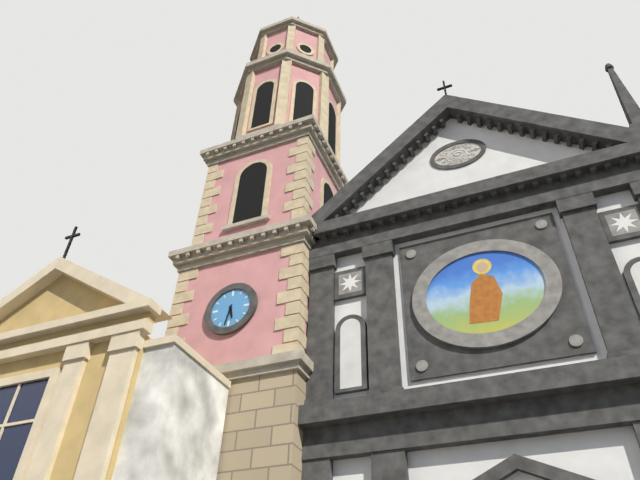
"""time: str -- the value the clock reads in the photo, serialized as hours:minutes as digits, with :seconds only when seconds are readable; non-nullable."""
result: 5:32
